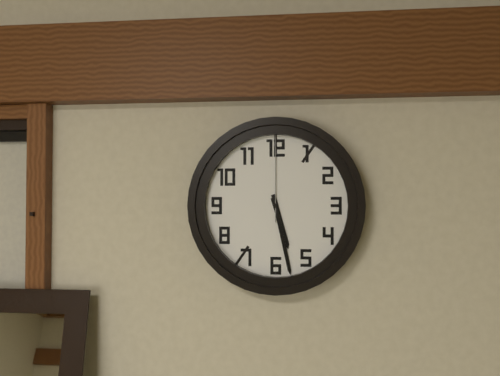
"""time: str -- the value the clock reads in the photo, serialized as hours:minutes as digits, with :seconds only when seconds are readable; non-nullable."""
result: 5:28:00
